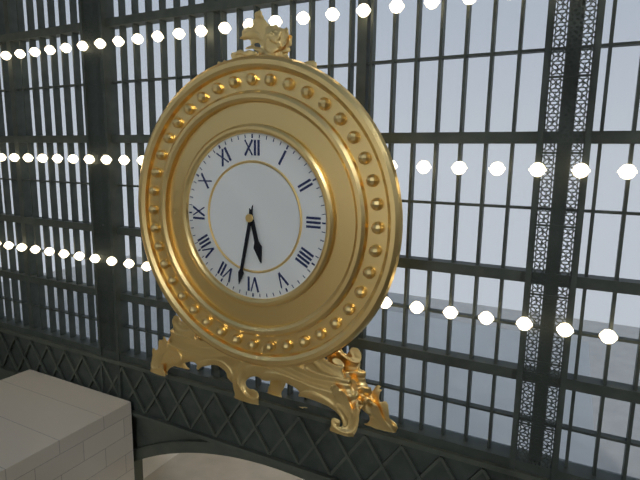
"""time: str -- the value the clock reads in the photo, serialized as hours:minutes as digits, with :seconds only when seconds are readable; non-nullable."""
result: 5:32
